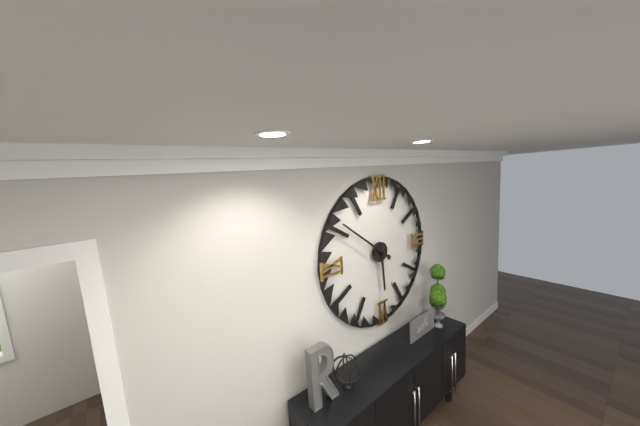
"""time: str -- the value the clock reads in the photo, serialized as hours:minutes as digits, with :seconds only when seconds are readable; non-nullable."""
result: 5:51
